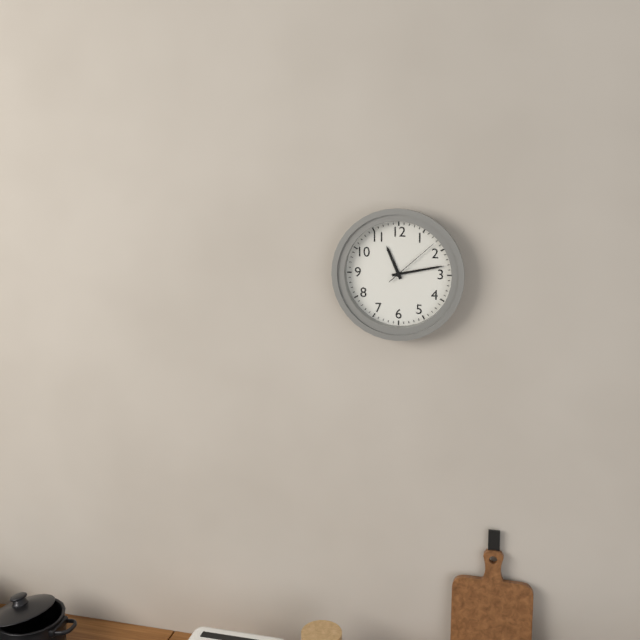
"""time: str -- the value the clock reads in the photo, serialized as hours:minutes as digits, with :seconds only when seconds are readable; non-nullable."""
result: 11:13:08
